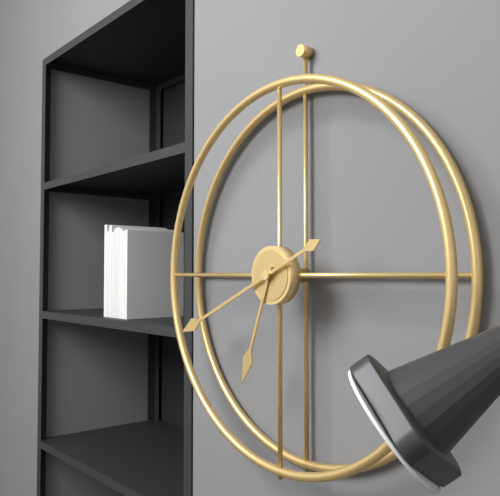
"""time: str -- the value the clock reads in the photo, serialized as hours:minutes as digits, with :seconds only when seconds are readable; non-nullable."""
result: 6:41
